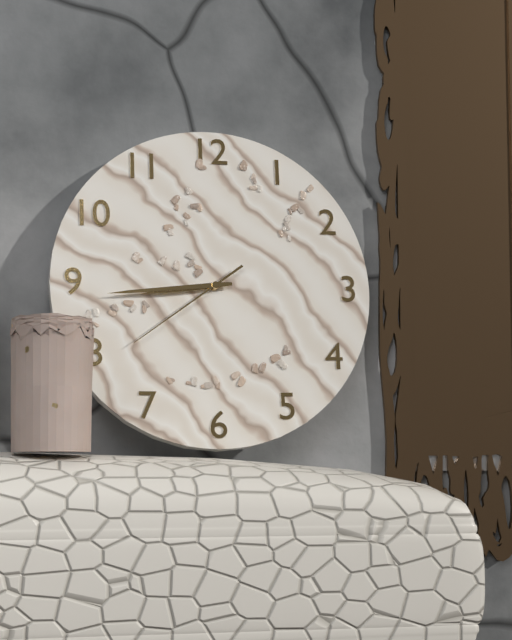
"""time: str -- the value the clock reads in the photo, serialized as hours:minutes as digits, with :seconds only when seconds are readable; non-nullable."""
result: 8:44:39
